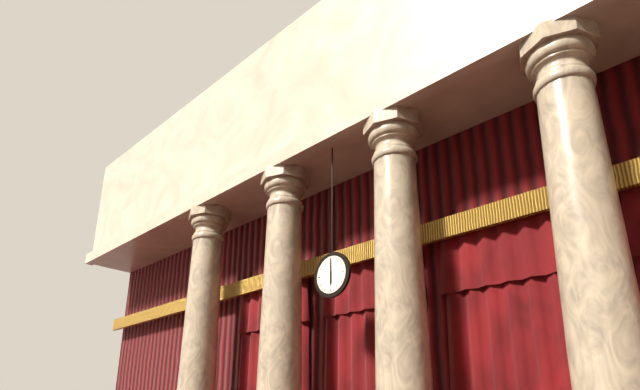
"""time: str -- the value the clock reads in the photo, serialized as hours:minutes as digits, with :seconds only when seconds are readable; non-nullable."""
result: 6:00
